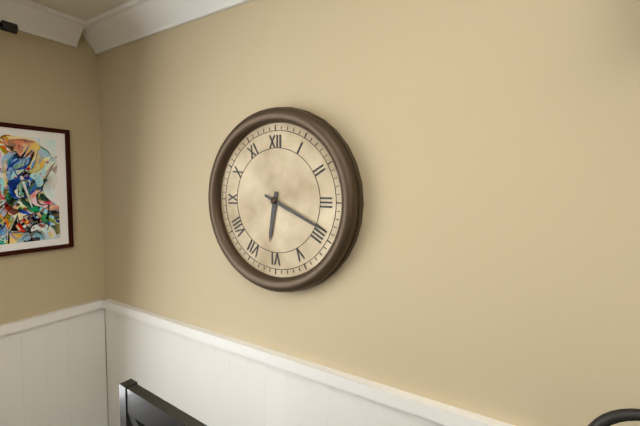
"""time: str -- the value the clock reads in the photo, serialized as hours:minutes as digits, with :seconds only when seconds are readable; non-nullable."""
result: 6:19
